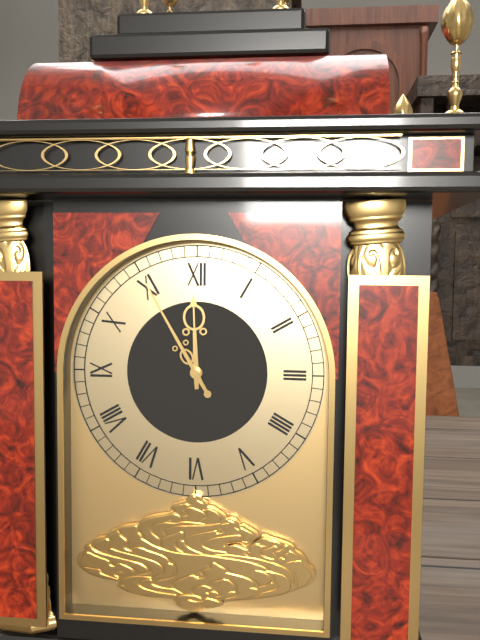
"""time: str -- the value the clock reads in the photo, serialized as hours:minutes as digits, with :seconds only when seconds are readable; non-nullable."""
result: 11:55
